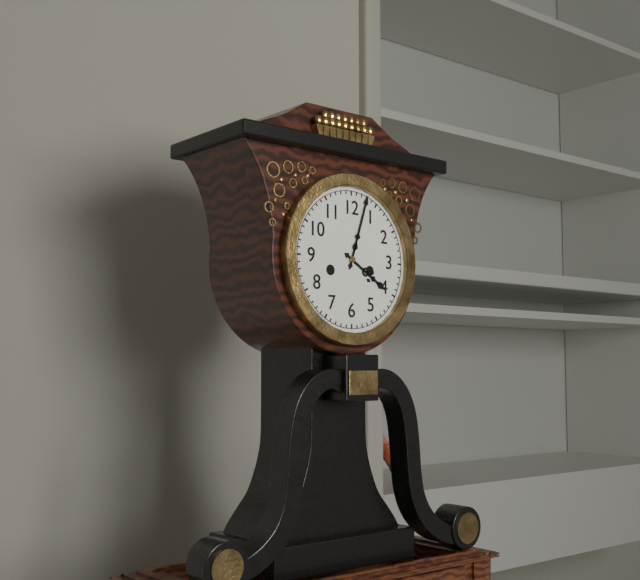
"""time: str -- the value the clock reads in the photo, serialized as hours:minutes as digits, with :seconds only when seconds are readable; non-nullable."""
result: 4:03
